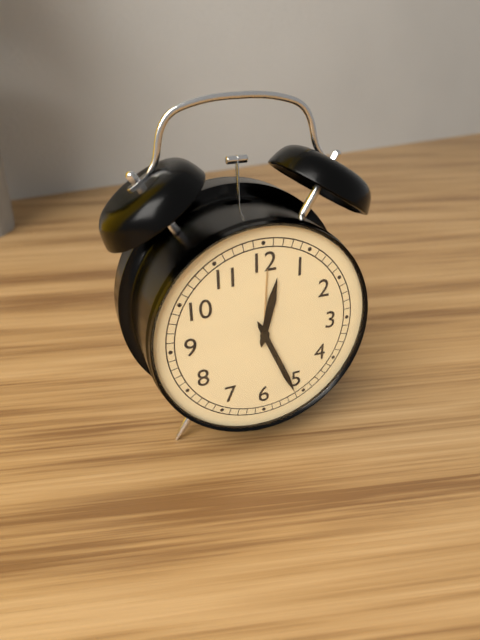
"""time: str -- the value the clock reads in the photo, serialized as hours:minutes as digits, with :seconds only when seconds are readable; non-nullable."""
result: 12:26
